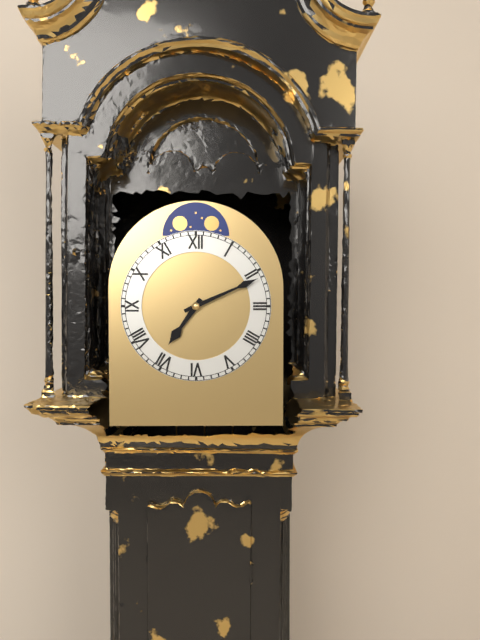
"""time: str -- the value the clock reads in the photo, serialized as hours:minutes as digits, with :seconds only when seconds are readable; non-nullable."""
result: 7:11
